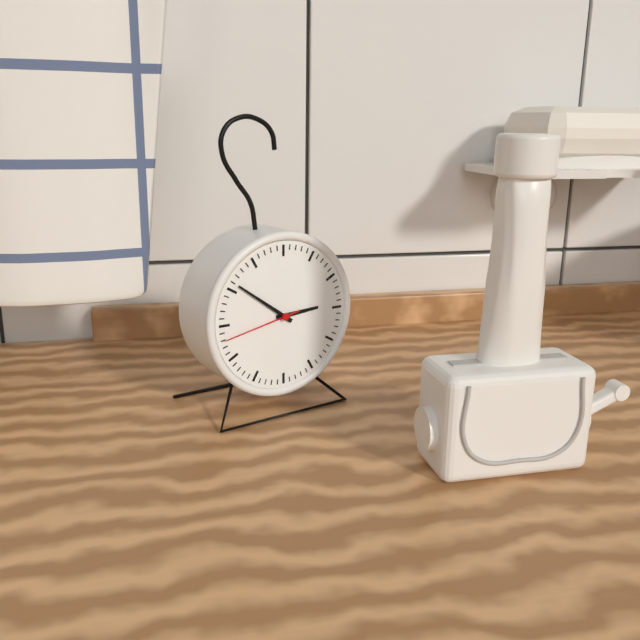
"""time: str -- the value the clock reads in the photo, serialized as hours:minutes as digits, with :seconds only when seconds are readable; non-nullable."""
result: 2:51:43
